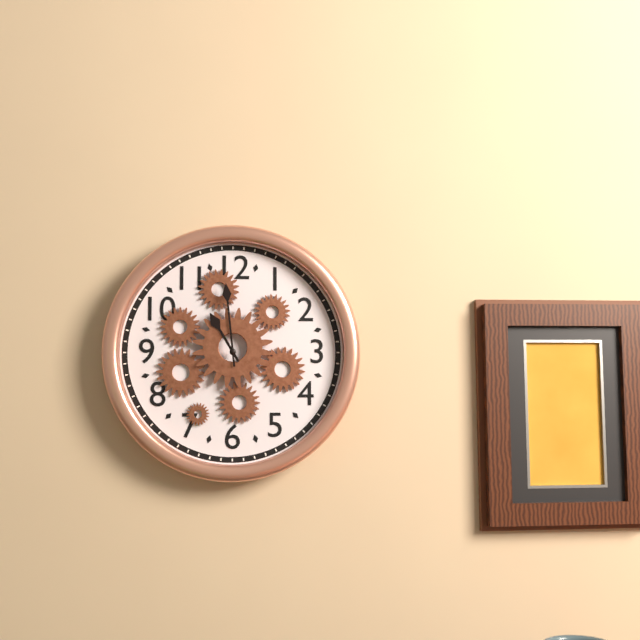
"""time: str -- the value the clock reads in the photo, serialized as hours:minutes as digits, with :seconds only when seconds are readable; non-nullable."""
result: 10:59
